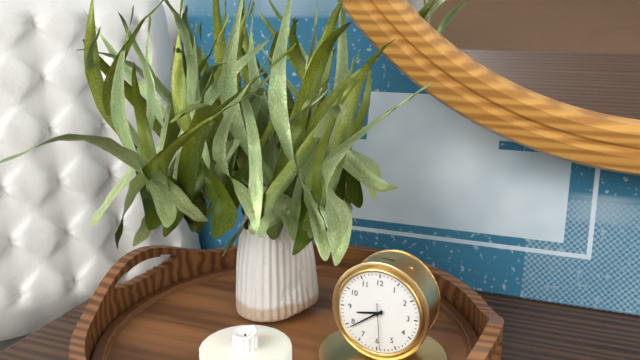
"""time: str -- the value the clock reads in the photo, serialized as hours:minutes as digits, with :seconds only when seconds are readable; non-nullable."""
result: 8:39
